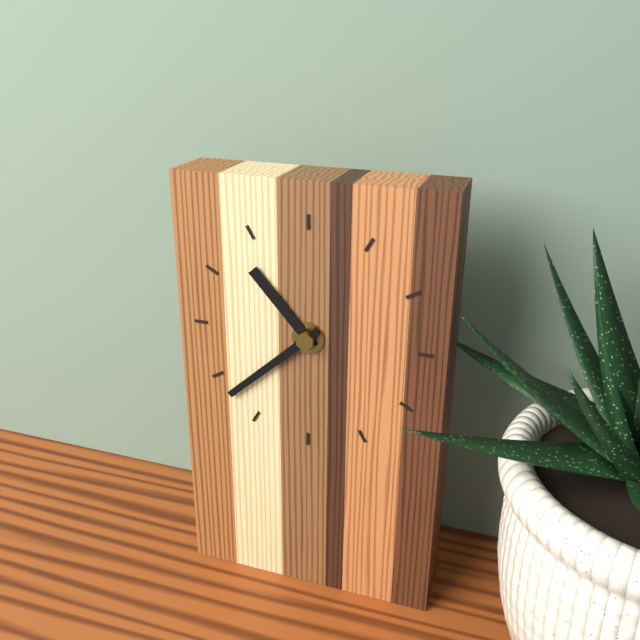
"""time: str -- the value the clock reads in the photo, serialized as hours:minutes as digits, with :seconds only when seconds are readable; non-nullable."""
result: 10:38
